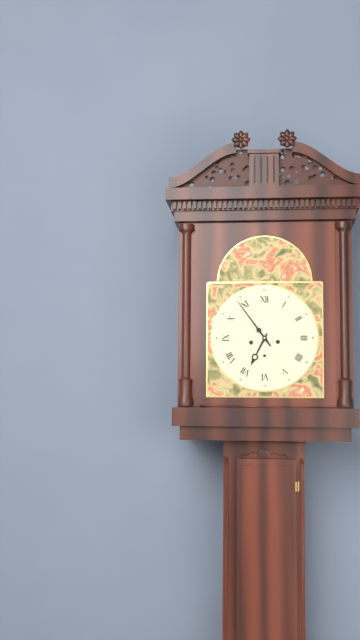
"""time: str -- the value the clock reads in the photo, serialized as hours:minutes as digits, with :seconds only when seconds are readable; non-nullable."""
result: 6:54
